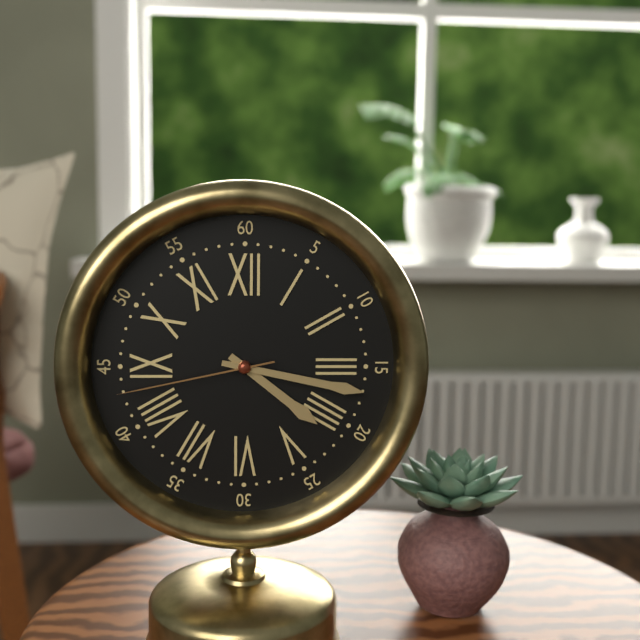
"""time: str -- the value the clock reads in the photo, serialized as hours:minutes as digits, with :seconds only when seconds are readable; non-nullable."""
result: 4:17:43
